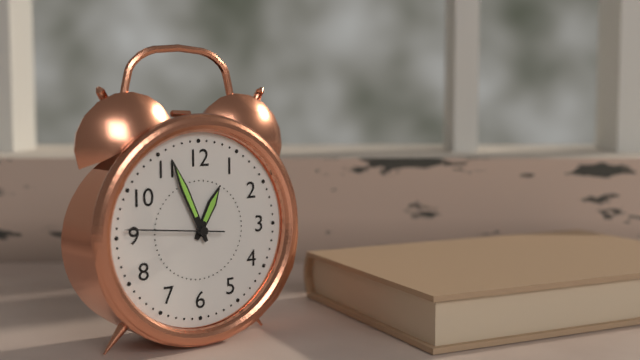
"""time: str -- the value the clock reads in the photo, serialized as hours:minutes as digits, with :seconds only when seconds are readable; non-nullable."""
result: 12:56:46
